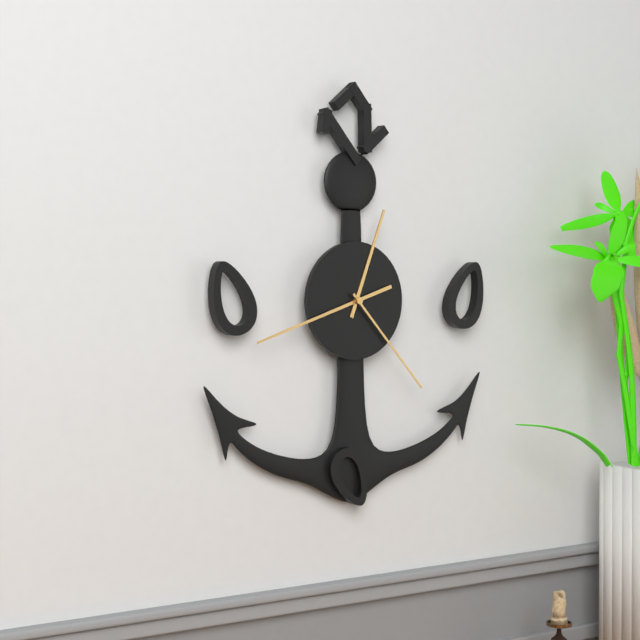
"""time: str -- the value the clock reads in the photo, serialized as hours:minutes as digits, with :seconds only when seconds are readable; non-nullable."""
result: 12:42:23
